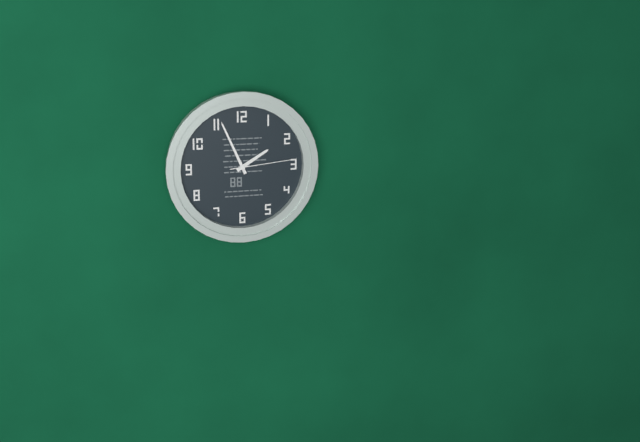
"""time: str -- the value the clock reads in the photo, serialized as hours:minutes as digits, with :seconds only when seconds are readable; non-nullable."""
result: 1:56:14
